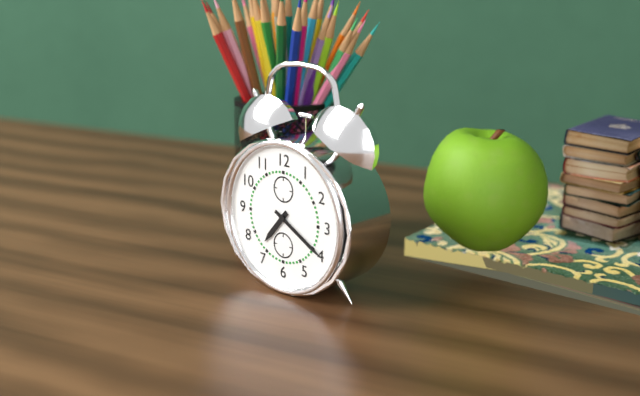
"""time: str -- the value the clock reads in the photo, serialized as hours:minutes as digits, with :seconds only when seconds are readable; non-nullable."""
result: 7:20
